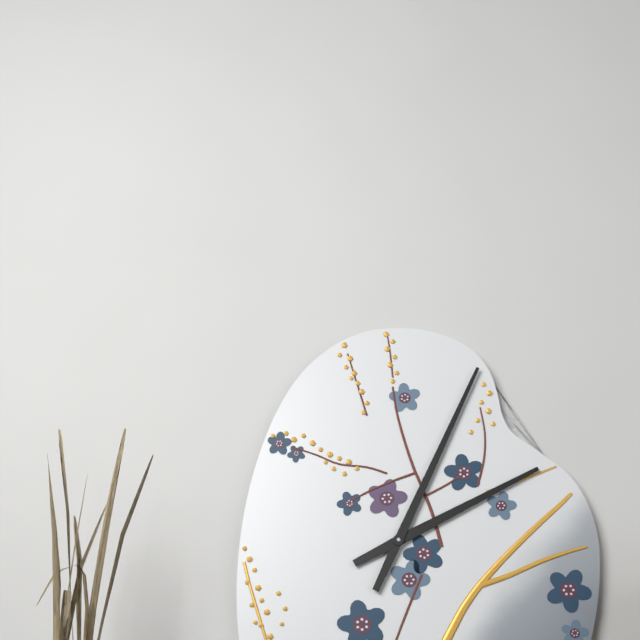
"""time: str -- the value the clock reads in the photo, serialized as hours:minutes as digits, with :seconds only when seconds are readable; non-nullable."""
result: 2:04
